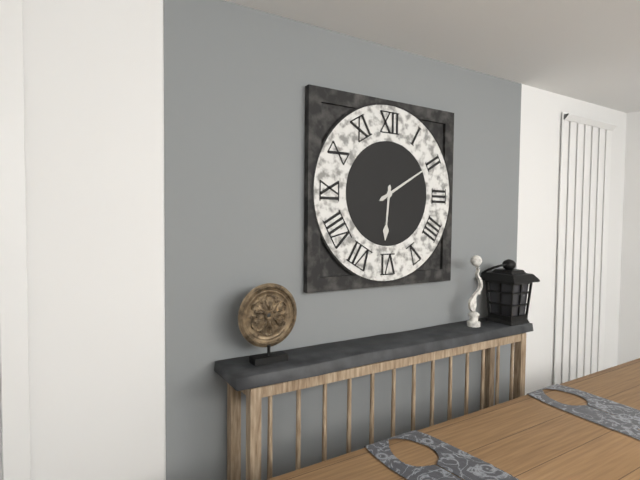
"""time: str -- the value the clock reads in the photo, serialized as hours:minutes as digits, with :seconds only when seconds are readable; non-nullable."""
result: 6:10
